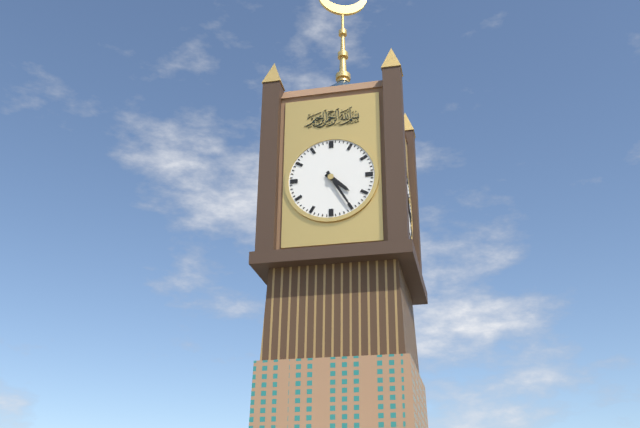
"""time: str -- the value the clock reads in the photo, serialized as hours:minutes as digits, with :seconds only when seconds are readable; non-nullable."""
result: 4:25
